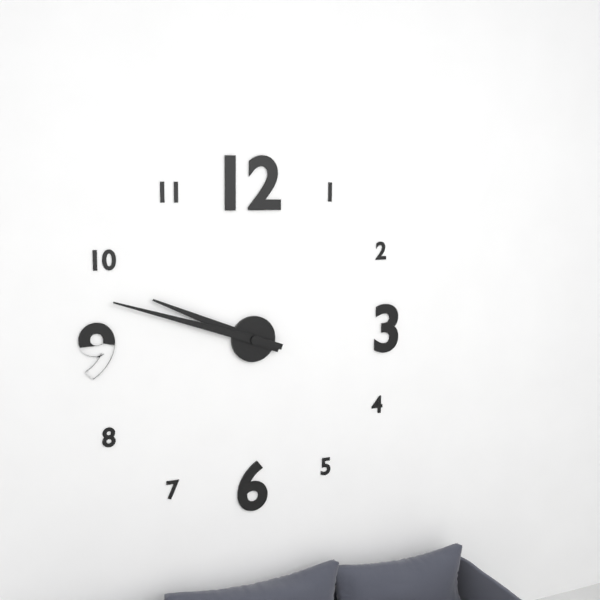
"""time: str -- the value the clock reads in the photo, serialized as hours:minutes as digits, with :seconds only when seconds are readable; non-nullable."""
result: 9:48
